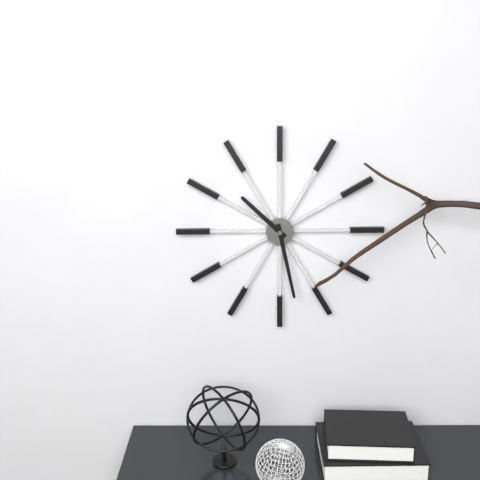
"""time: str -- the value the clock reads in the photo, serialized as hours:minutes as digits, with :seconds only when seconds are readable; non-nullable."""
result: 10:28
